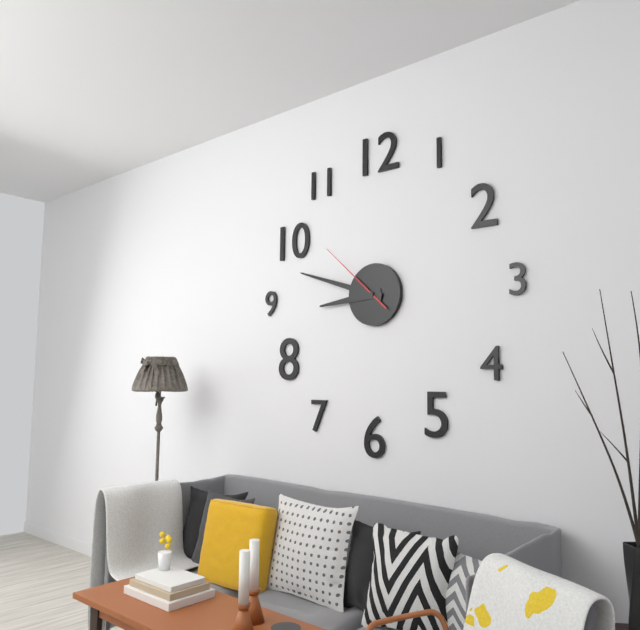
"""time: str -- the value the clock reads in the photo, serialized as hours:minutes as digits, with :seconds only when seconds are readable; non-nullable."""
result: 8:48:52
